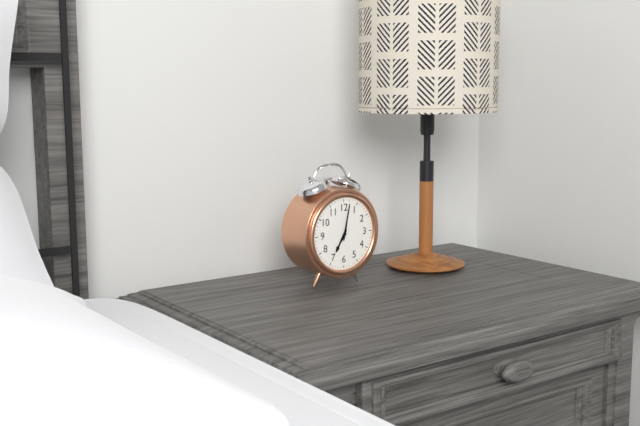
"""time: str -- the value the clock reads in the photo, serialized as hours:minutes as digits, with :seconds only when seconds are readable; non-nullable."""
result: 7:02
